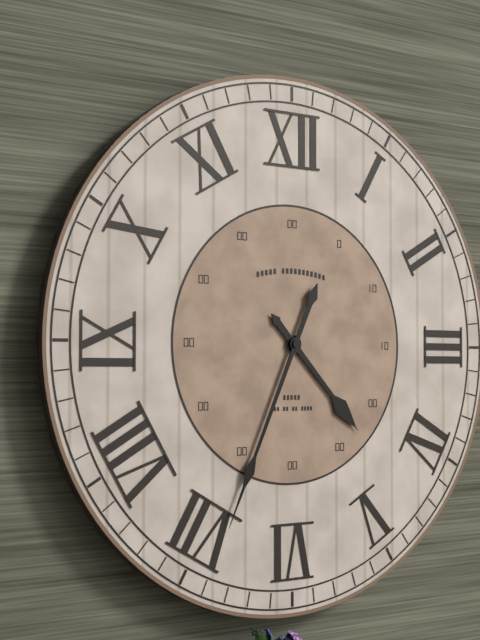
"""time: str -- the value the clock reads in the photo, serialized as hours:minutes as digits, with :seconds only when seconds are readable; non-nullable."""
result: 4:34
